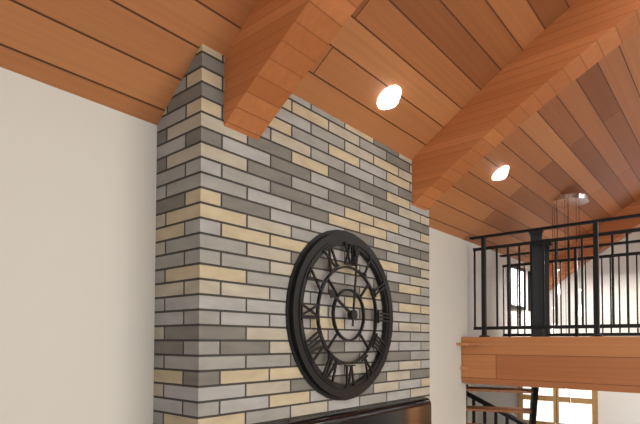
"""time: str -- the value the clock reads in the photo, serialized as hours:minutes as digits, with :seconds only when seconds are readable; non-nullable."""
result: 10:01
